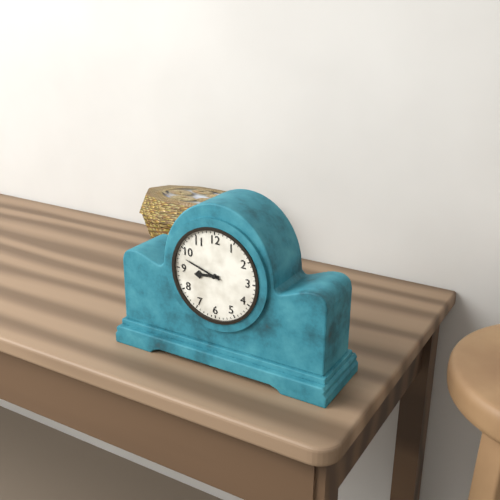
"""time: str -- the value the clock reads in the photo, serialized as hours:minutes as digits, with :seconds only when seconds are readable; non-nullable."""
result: 8:48
